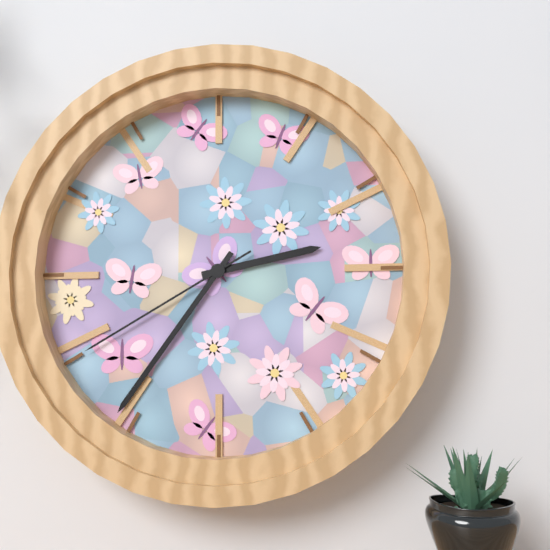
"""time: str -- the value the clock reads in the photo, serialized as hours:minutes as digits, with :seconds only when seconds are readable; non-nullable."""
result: 2:36:40
